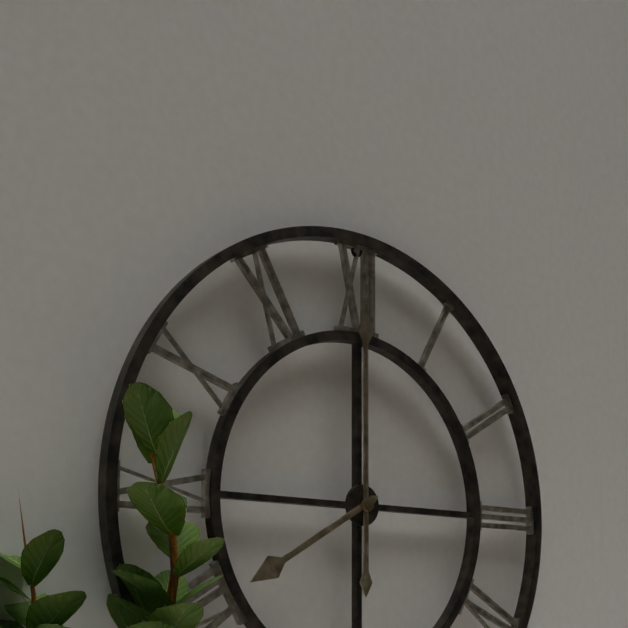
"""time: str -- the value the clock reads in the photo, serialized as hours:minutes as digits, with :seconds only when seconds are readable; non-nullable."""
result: 8:00
